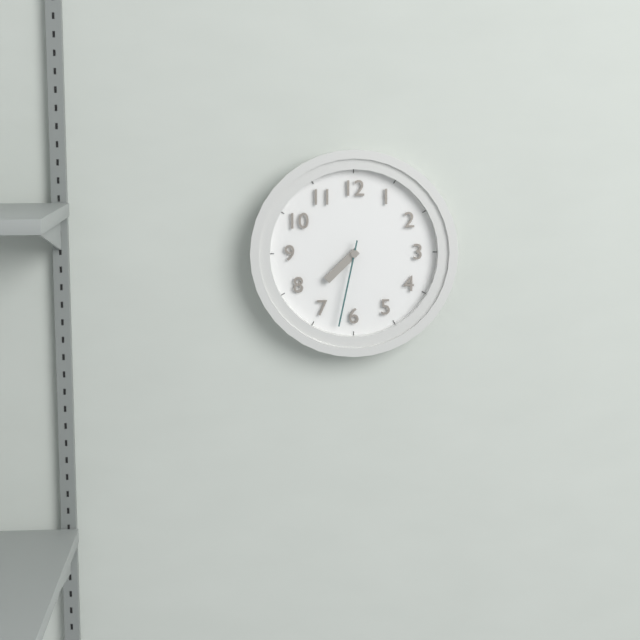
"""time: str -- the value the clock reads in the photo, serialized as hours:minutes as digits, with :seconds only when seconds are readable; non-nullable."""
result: 7:32
